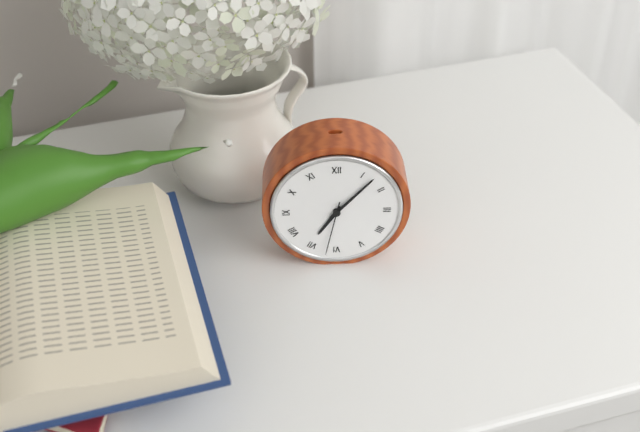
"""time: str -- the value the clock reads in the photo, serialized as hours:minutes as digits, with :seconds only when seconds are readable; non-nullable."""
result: 7:07:32
